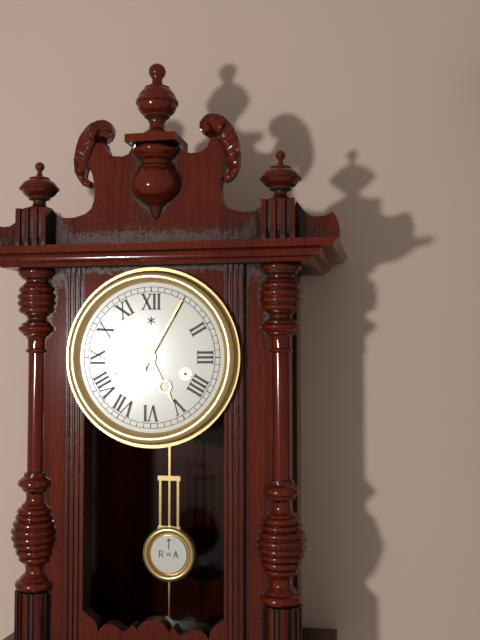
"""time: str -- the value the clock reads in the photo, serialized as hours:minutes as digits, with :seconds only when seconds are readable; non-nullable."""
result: 5:05
